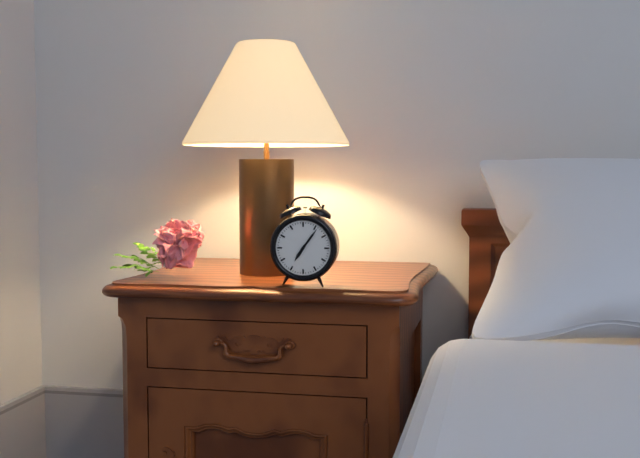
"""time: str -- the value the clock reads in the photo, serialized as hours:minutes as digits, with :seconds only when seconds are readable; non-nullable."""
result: 7:06
